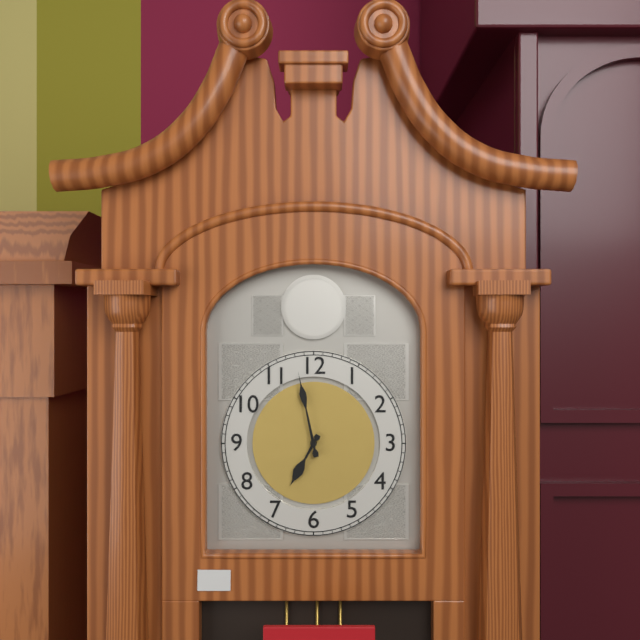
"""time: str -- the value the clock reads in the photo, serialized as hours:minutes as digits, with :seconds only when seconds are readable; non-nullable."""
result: 6:58
